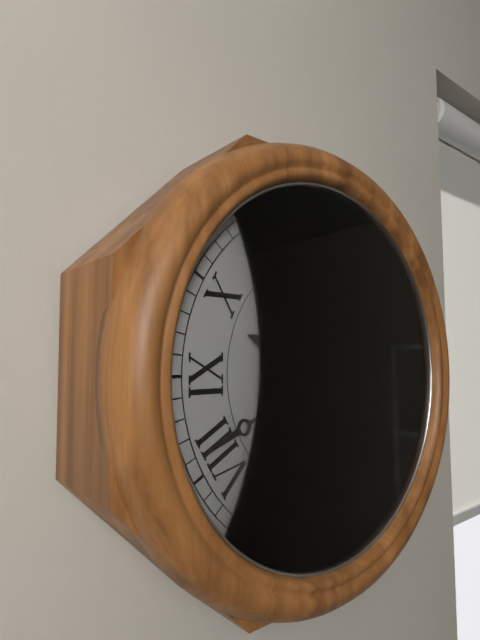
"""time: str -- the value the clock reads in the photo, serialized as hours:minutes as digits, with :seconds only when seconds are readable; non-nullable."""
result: 9:41
